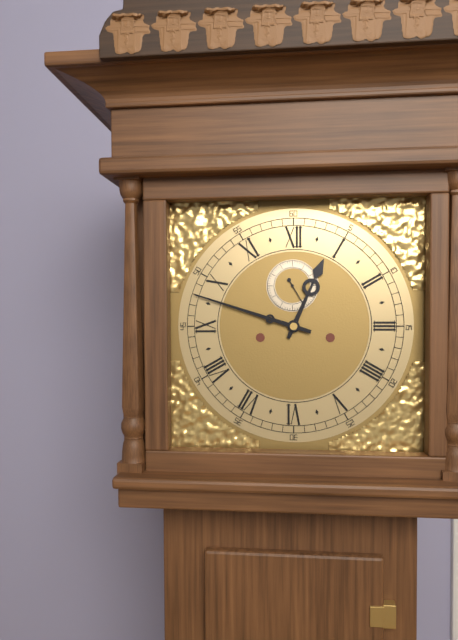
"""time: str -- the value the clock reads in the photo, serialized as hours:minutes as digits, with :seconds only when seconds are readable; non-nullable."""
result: 12:48
